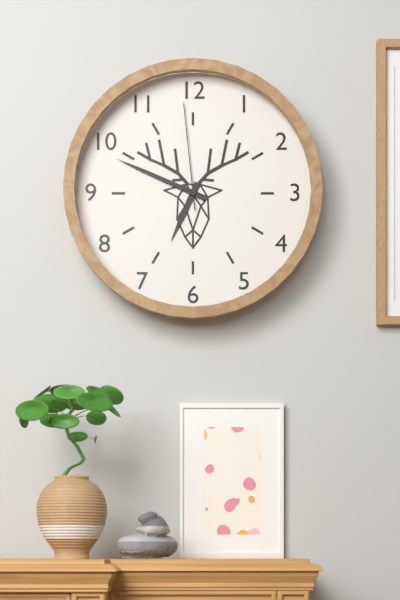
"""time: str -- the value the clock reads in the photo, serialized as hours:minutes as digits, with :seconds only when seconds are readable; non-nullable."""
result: 6:49:59
